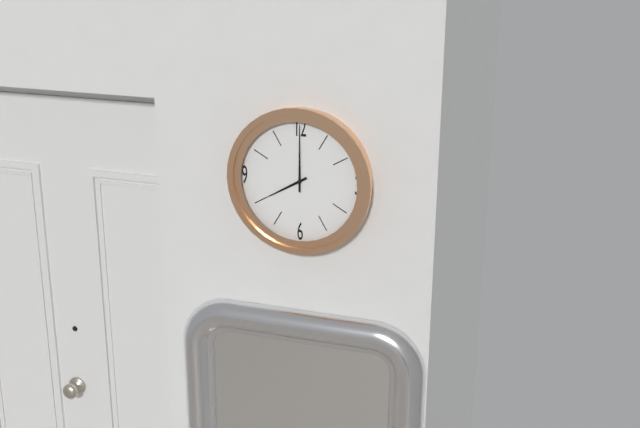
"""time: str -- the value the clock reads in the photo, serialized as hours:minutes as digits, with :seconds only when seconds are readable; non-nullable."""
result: 8:00
